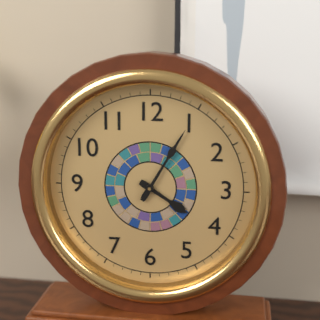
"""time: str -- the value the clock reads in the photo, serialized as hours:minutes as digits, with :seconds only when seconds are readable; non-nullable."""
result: 4:05
